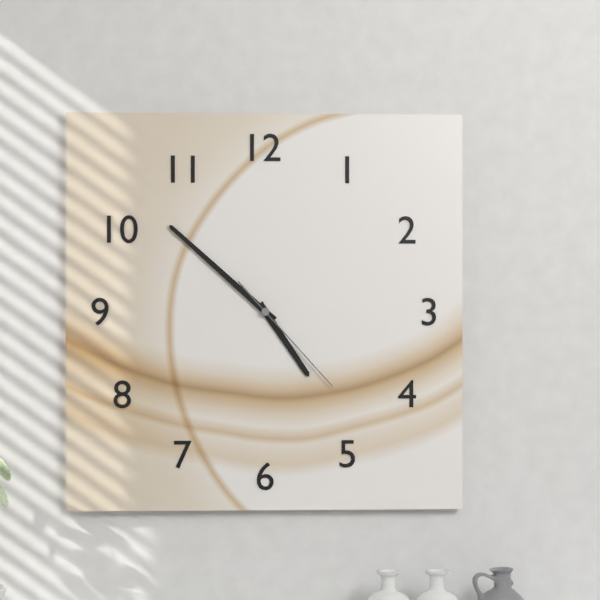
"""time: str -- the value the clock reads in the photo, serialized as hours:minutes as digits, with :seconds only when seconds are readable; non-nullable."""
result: 4:52:23
